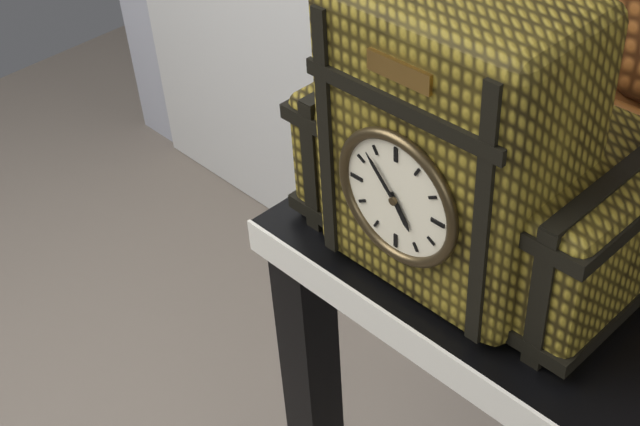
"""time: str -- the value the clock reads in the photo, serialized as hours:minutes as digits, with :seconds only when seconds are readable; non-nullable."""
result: 4:53
